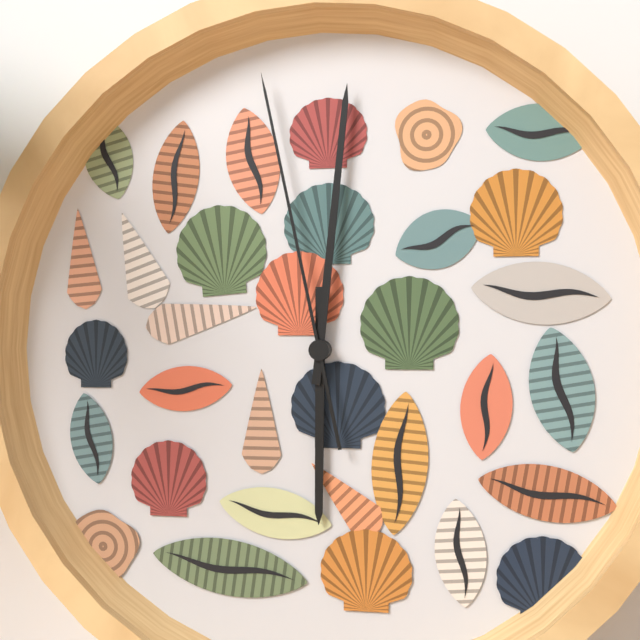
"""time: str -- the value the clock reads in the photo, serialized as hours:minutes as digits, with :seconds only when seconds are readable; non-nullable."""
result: 6:01:58
